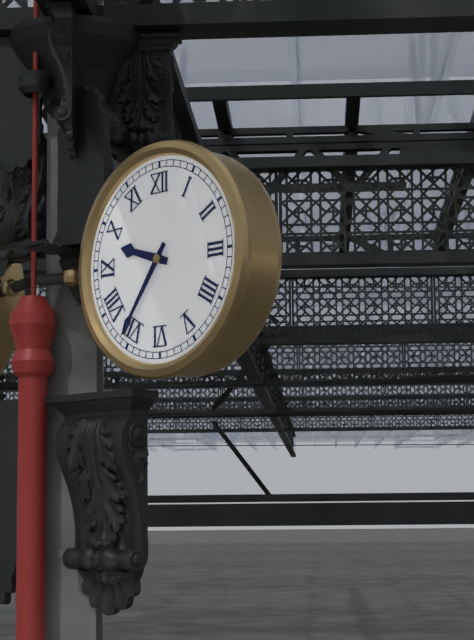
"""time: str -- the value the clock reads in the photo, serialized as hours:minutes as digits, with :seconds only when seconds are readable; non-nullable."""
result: 9:36
